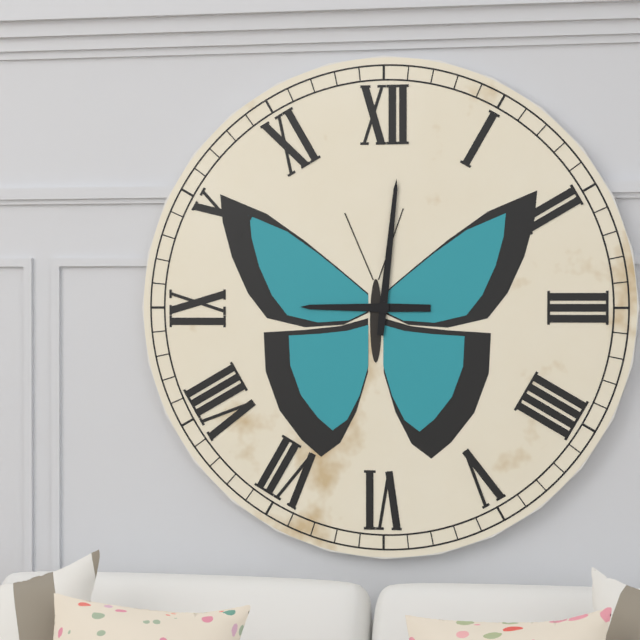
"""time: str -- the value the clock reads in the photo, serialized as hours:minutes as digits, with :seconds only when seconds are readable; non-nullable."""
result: 9:01
